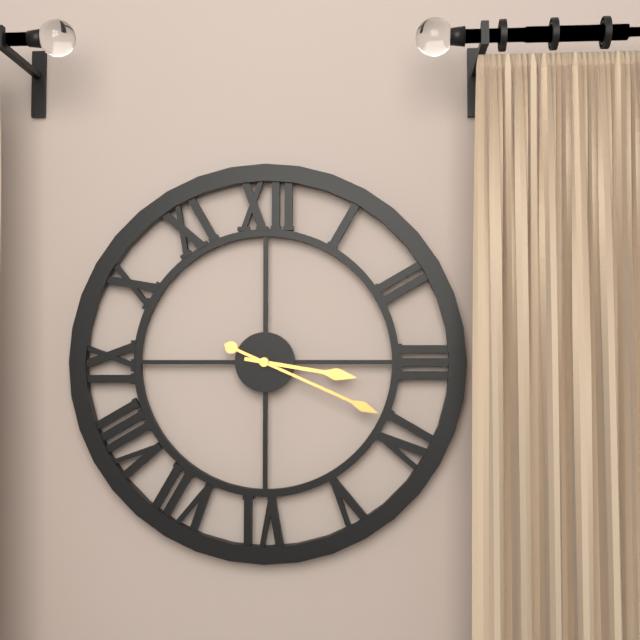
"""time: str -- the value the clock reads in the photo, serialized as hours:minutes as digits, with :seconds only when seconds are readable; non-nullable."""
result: 3:19
